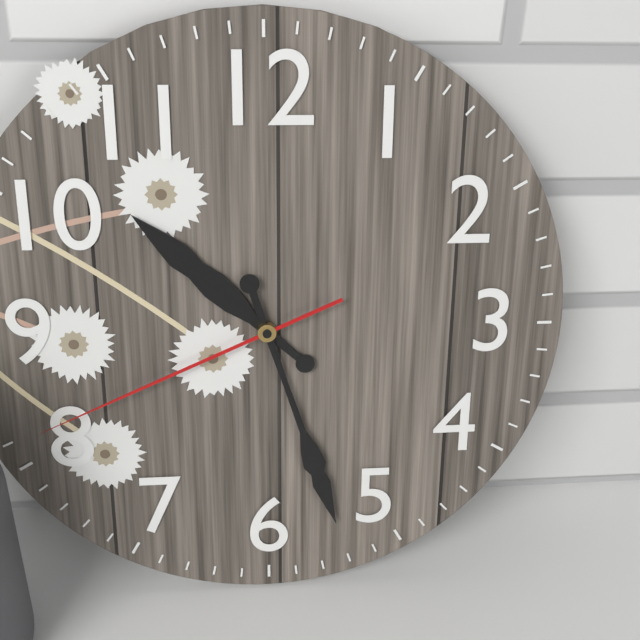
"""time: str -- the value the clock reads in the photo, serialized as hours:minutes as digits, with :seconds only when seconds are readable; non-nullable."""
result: 10:27:41
